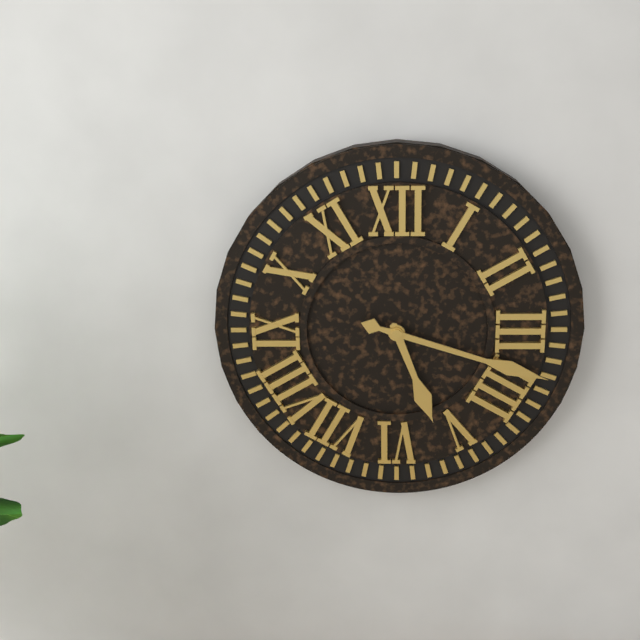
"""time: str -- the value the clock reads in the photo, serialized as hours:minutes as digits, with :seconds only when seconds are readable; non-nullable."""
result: 5:18
